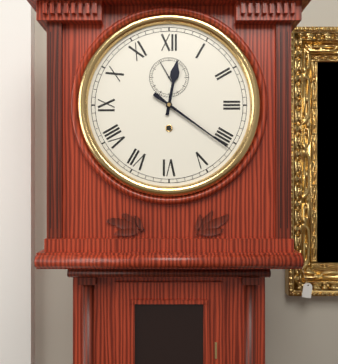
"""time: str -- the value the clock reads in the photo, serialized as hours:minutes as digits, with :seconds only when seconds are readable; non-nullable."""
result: 12:21
